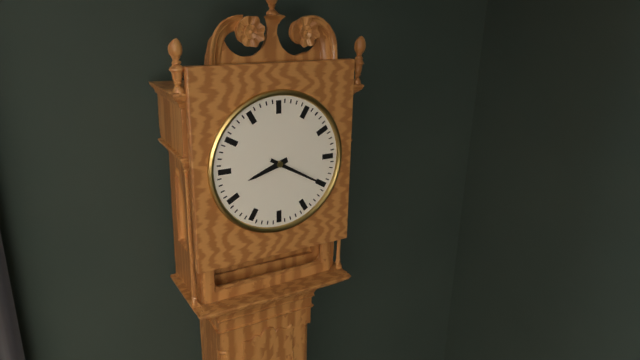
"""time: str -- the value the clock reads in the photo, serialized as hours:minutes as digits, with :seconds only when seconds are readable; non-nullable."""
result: 8:20
